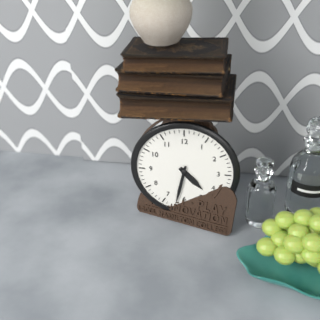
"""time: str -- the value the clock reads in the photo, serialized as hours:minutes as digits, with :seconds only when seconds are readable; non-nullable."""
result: 4:32
